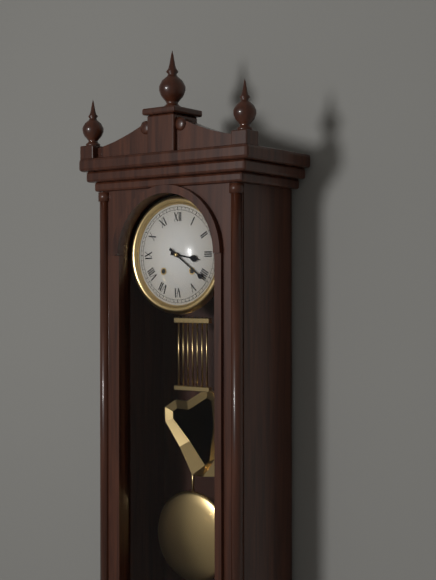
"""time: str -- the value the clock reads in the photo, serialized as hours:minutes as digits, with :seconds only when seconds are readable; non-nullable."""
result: 3:21
